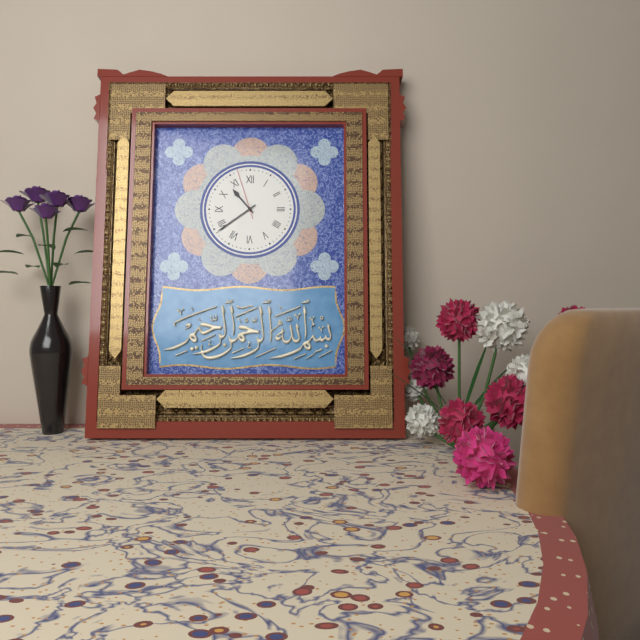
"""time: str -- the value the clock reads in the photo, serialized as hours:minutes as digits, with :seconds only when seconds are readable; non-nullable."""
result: 10:39:57
